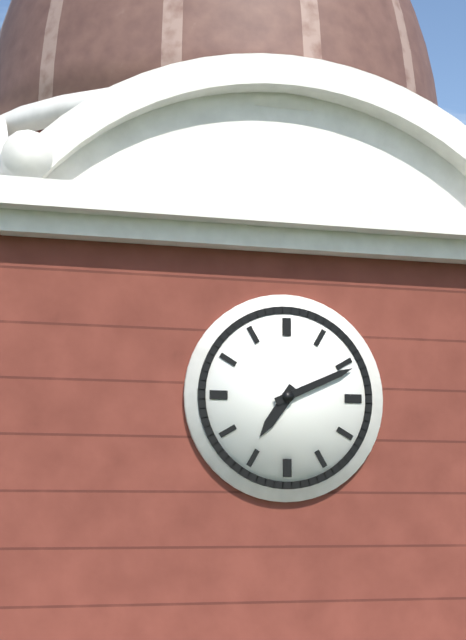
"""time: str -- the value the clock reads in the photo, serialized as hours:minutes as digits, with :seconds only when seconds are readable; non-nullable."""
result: 7:11
